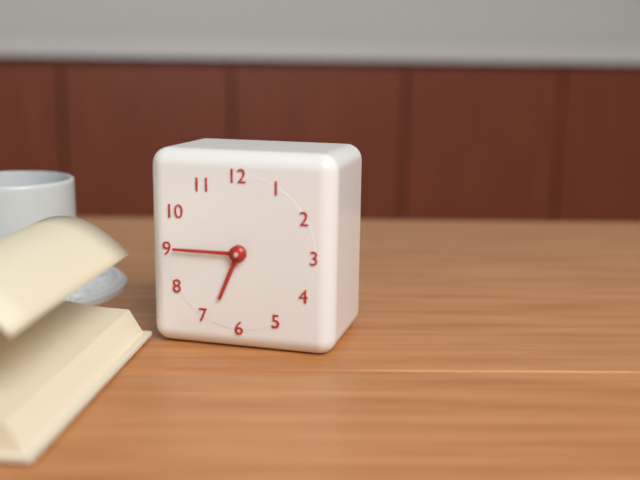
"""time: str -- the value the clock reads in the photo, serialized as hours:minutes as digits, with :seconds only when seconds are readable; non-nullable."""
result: 6:45
